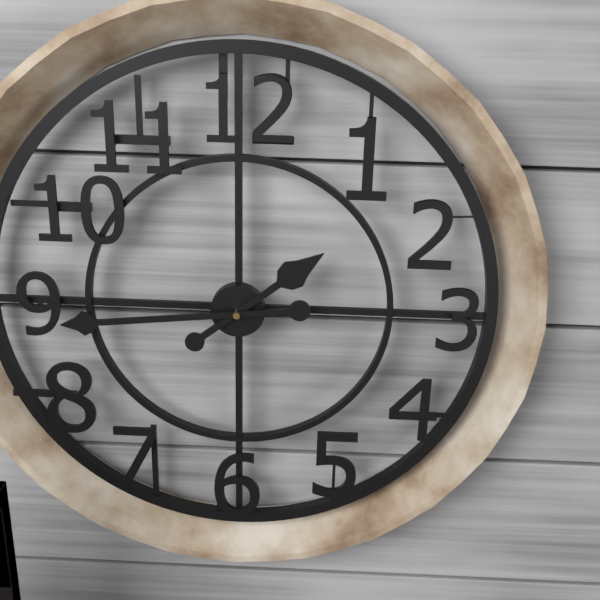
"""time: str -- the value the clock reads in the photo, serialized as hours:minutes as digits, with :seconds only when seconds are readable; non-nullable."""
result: 1:44
